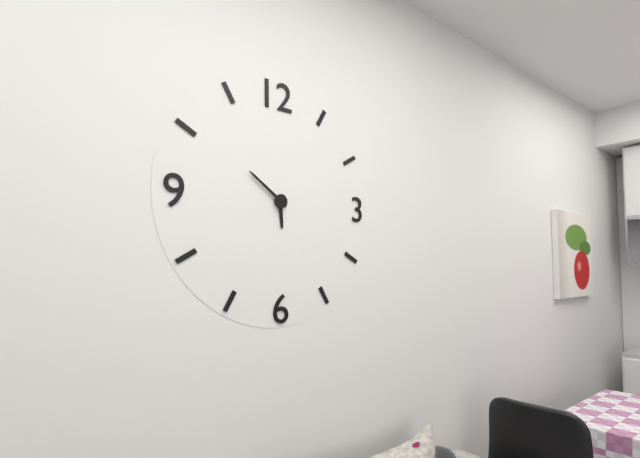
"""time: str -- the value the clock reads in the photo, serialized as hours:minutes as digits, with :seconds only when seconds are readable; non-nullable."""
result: 5:51
